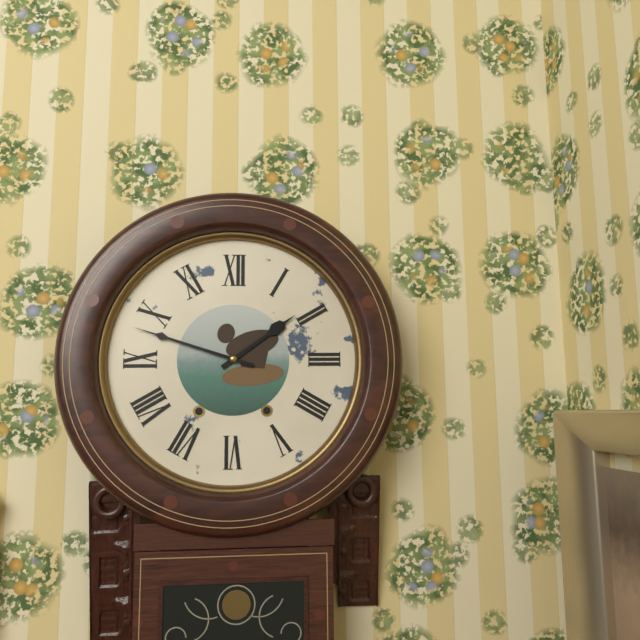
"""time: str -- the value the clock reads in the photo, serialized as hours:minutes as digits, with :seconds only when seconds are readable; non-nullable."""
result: 1:48
